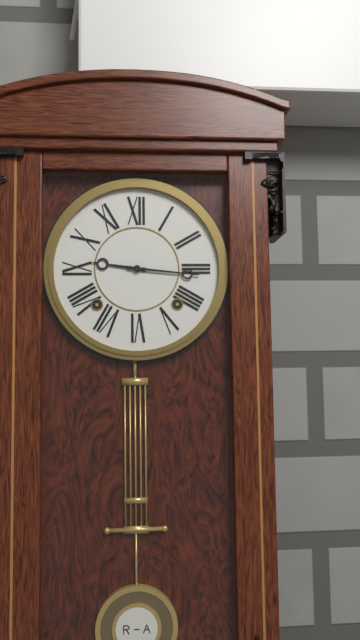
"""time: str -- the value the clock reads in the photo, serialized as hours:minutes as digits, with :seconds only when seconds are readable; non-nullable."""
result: 9:16
